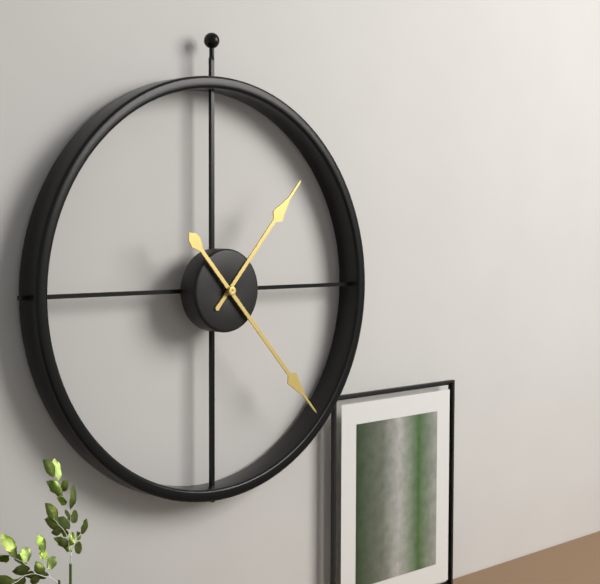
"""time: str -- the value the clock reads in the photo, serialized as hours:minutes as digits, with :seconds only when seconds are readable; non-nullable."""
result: 1:23
